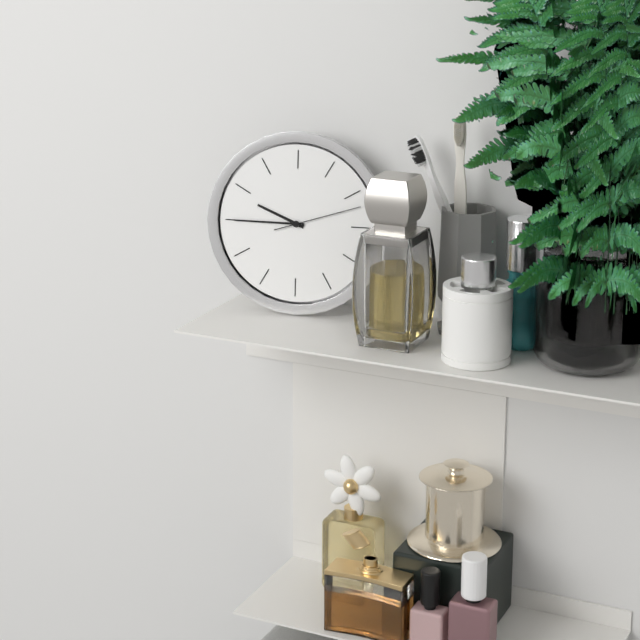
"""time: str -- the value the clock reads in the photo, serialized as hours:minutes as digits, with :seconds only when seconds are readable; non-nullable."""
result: 9:45:12
